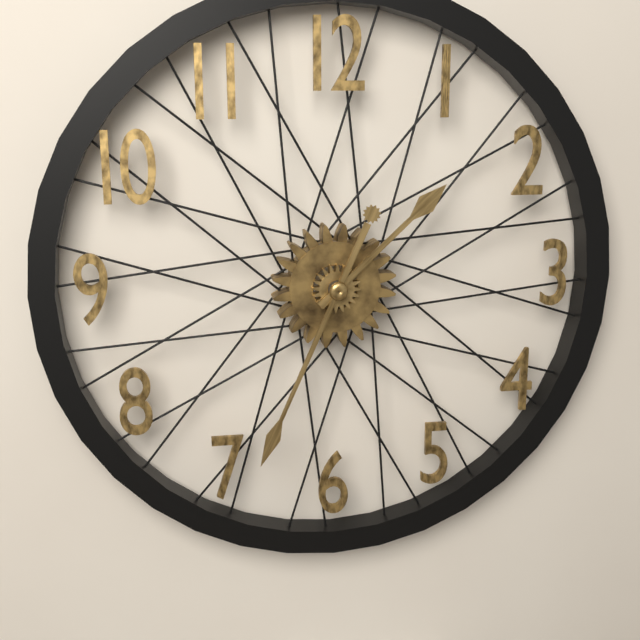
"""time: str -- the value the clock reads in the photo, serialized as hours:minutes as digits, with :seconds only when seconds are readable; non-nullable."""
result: 1:34
